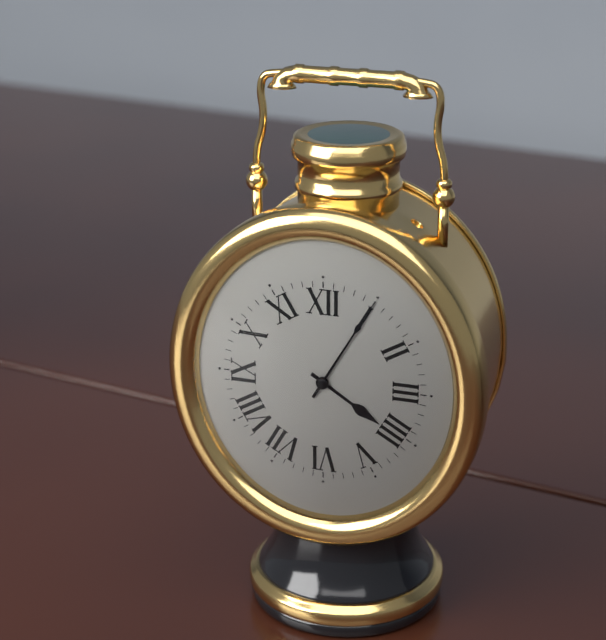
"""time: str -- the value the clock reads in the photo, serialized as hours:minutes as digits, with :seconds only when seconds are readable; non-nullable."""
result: 4:05
